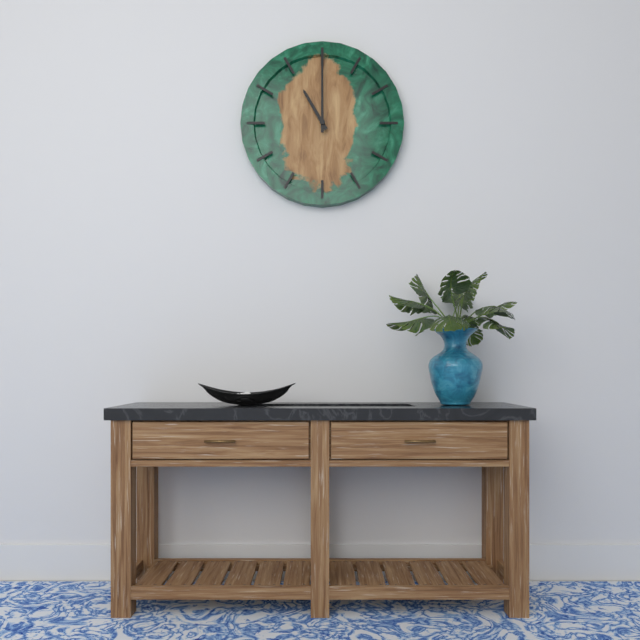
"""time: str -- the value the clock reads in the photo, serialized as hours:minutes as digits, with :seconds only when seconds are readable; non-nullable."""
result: 11:00
